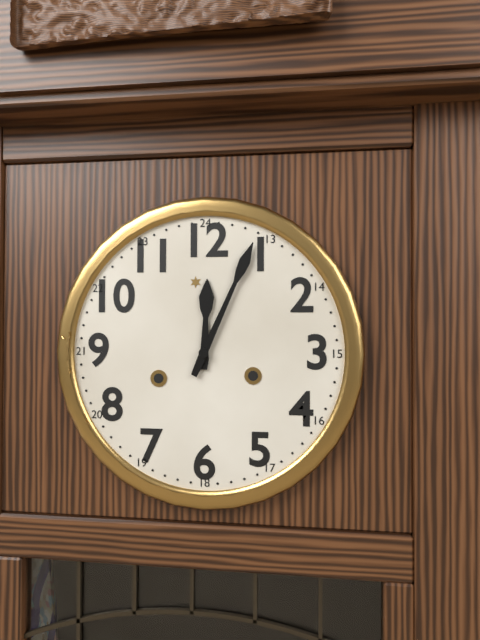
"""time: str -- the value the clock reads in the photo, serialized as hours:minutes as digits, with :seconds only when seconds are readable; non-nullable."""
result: 12:04
